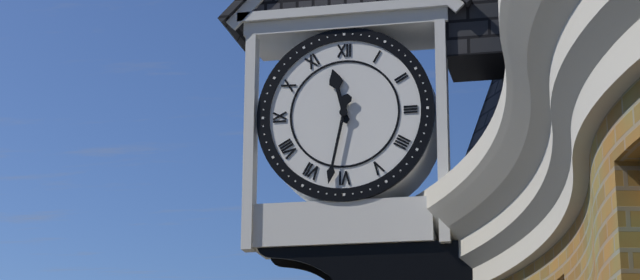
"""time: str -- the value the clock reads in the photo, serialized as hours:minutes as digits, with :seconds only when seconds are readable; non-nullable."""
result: 11:32
